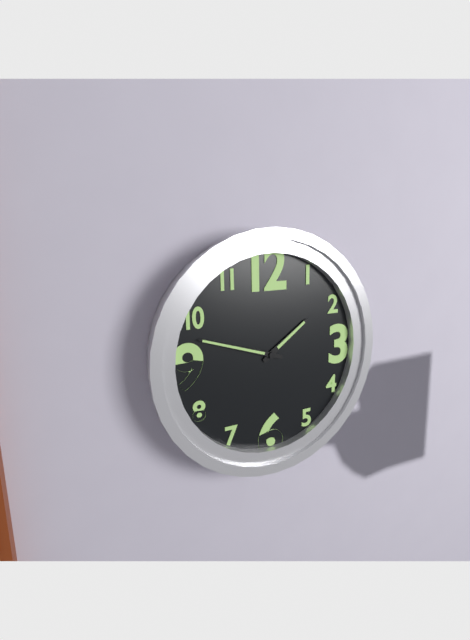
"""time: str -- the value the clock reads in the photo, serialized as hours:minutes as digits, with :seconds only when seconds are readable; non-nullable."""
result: 1:48
